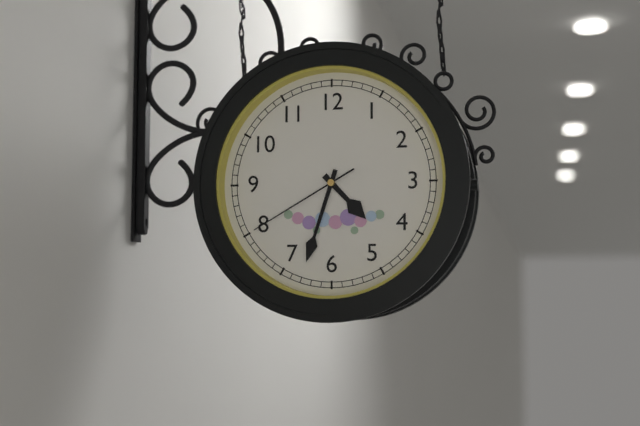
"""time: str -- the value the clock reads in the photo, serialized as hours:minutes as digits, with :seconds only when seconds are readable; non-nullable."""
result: 4:33:40
